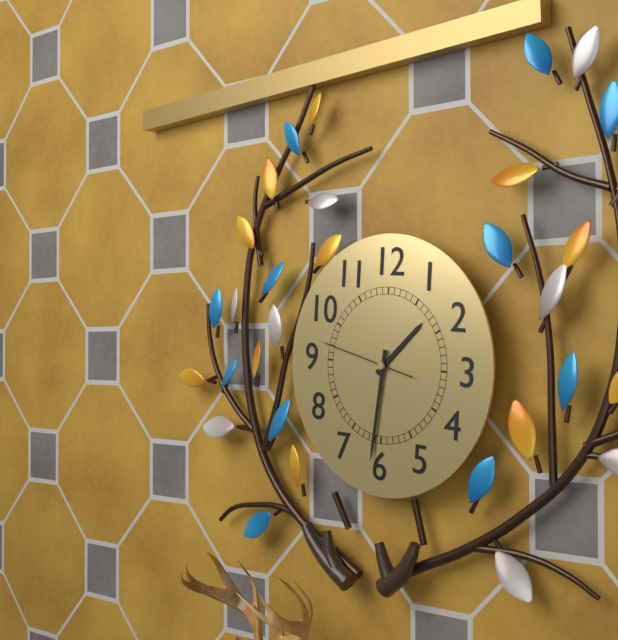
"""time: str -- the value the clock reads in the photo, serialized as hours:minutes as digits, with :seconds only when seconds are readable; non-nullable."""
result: 1:31:47
